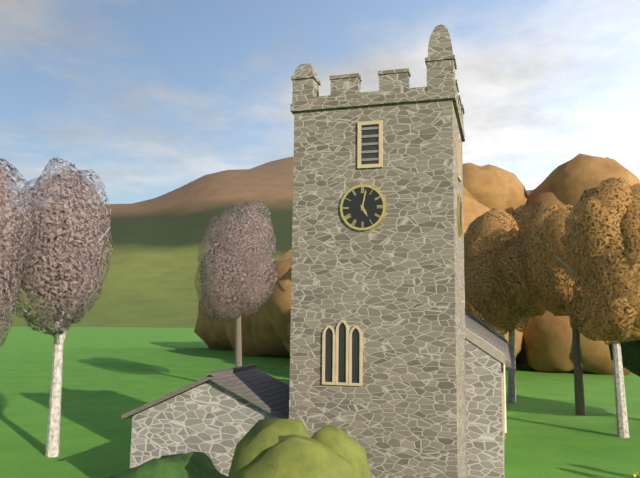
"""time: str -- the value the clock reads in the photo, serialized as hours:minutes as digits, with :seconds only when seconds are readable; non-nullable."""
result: 5:02
